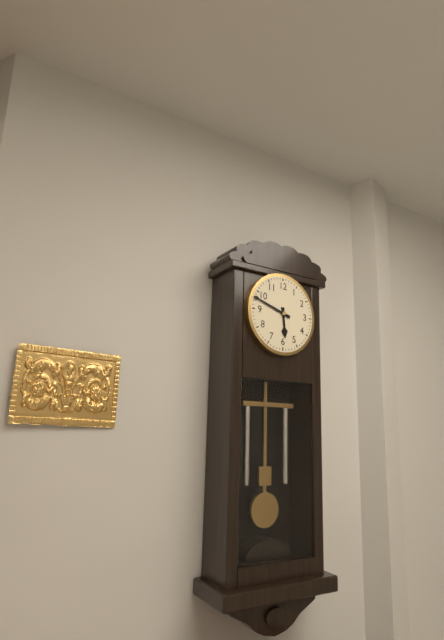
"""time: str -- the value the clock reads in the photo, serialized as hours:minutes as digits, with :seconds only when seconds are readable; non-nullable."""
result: 5:48
